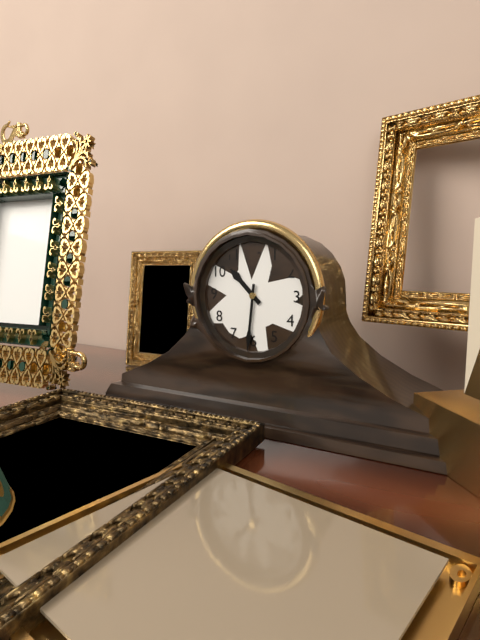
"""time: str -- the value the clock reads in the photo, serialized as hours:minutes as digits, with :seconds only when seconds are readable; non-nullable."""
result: 10:31
